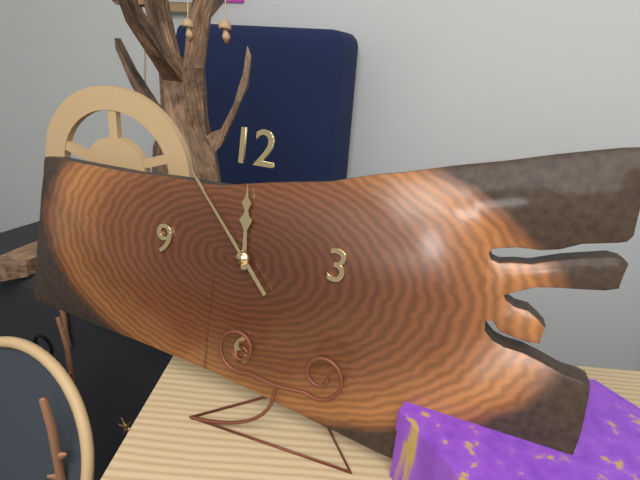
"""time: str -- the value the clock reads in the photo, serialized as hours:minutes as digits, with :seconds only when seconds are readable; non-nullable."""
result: 11:53
